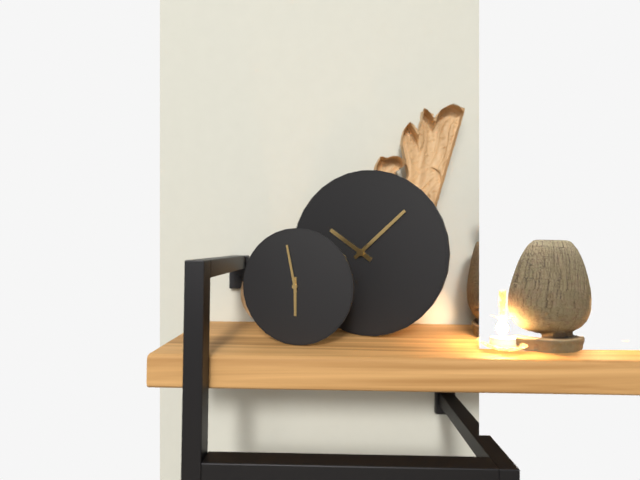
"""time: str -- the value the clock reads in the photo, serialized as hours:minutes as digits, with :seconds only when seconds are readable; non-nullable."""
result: 5:58
